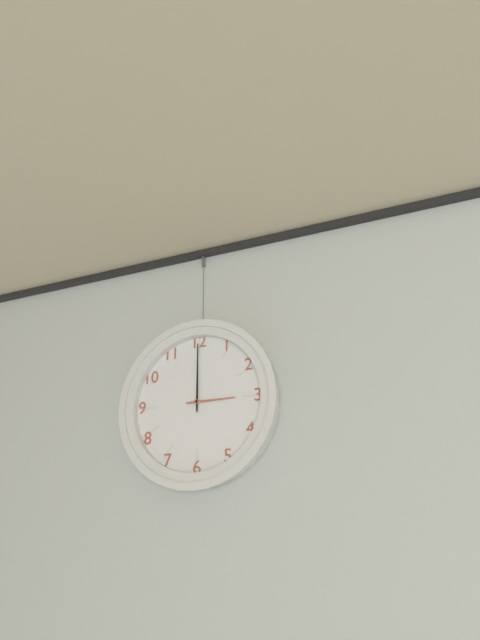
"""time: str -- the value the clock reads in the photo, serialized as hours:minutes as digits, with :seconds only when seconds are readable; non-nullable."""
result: 3:00
